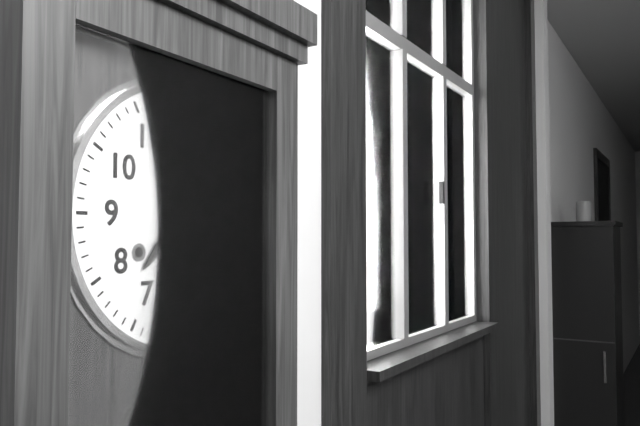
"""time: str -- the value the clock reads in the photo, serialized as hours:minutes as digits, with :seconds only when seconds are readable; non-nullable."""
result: 7:30
